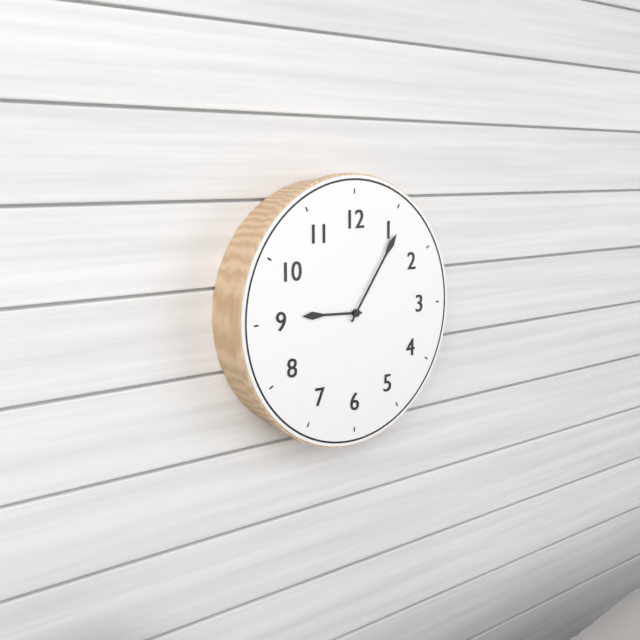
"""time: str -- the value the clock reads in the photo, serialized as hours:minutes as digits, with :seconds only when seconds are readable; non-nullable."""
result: 9:06
